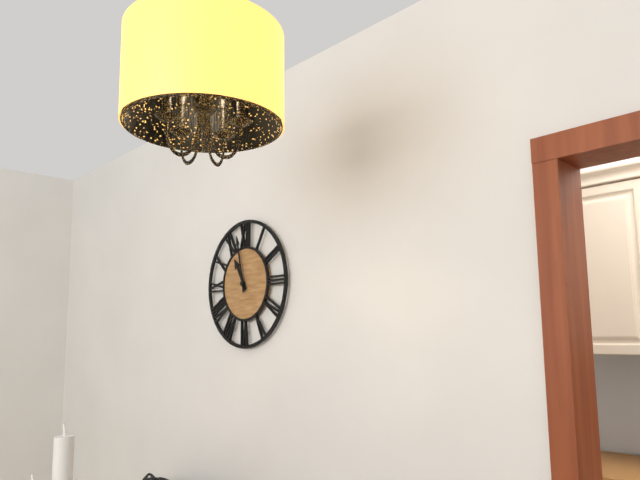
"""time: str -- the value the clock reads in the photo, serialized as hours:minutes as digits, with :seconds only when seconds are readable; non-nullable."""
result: 10:58
